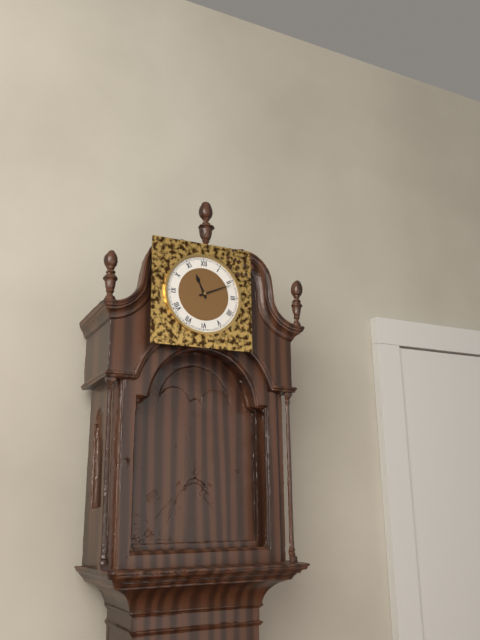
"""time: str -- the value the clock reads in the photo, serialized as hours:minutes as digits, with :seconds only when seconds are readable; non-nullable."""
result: 11:11
